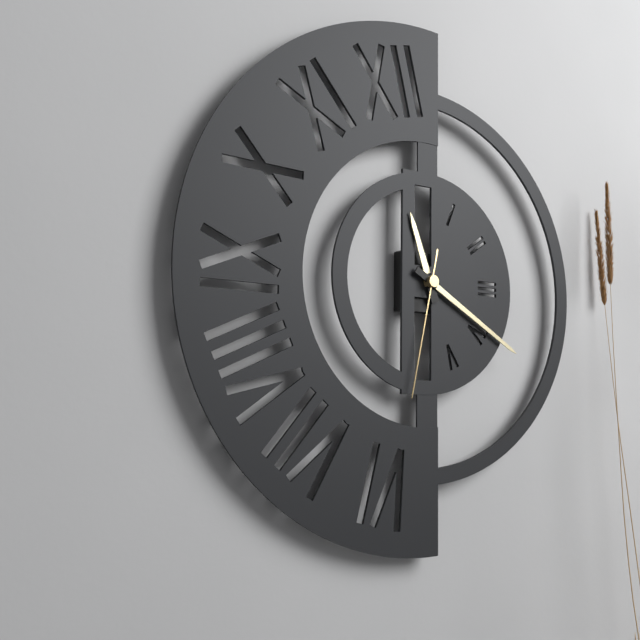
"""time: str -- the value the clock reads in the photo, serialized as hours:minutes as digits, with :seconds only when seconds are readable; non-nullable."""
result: 11:20:32
